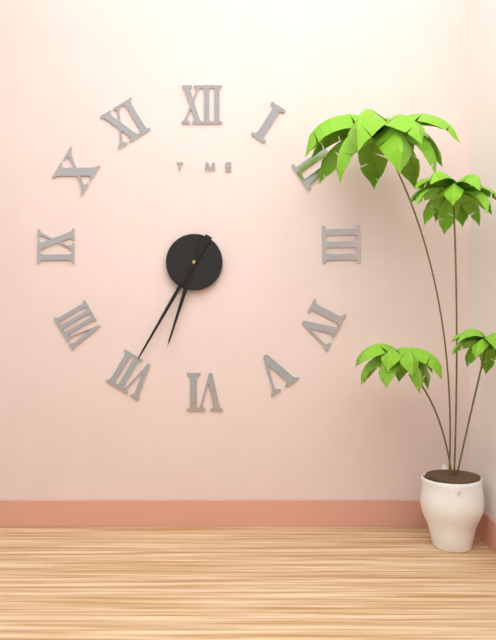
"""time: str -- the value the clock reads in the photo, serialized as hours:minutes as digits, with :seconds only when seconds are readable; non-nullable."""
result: 6:35
